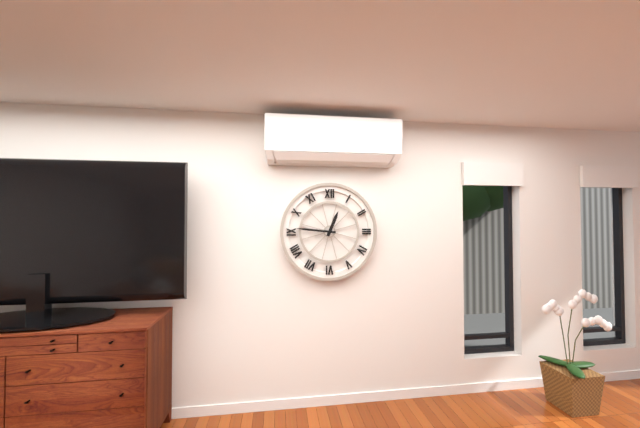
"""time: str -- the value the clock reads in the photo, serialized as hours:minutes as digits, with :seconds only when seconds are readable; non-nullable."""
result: 12:46
